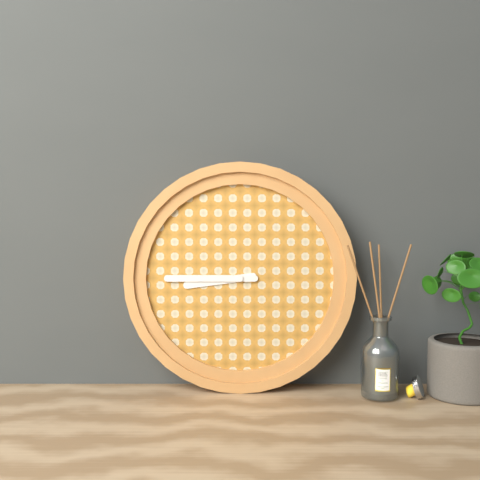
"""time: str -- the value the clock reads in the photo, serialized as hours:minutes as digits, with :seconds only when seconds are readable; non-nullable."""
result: 8:45
